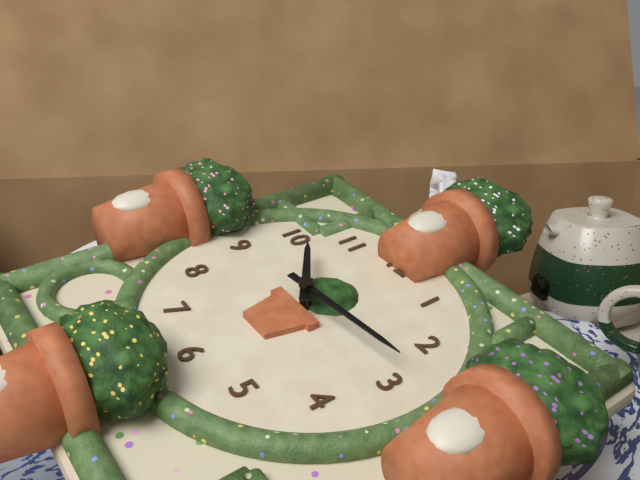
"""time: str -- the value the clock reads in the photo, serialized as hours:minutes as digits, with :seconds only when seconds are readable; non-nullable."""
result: 10:14
